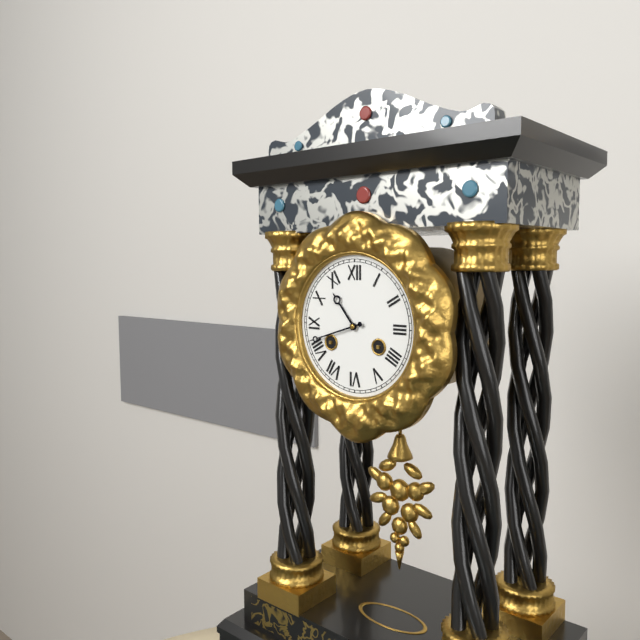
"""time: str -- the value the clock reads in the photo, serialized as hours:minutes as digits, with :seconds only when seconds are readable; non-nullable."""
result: 10:42
